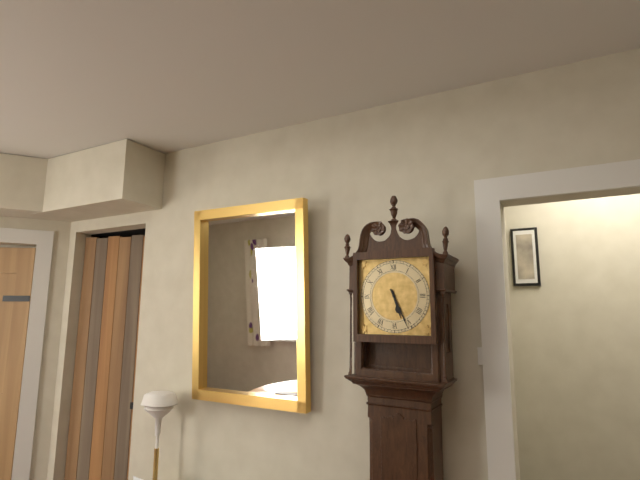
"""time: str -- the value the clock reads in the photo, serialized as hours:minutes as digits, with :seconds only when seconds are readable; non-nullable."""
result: 5:26
